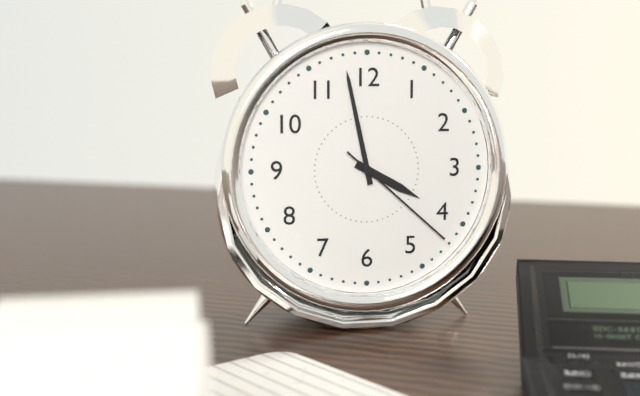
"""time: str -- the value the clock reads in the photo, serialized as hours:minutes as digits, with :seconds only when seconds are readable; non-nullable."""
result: 3:58:22
